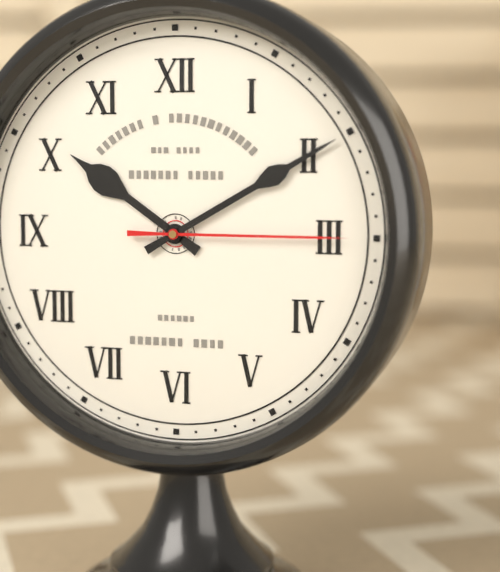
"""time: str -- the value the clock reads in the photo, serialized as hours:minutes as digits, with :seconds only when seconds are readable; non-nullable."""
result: 10:10:15
